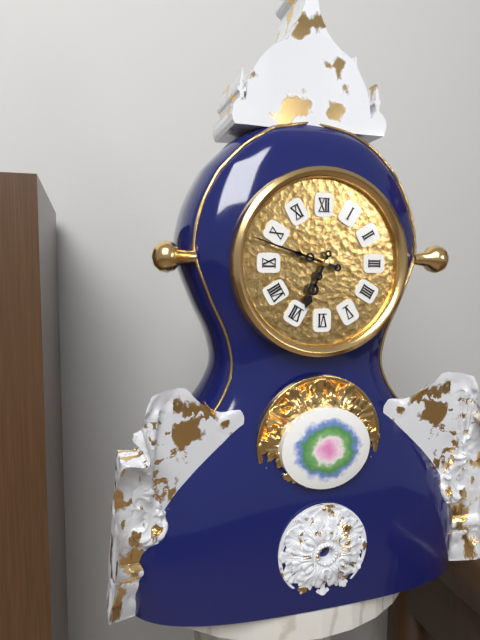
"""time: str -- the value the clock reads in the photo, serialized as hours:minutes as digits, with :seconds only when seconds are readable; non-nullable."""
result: 6:48
